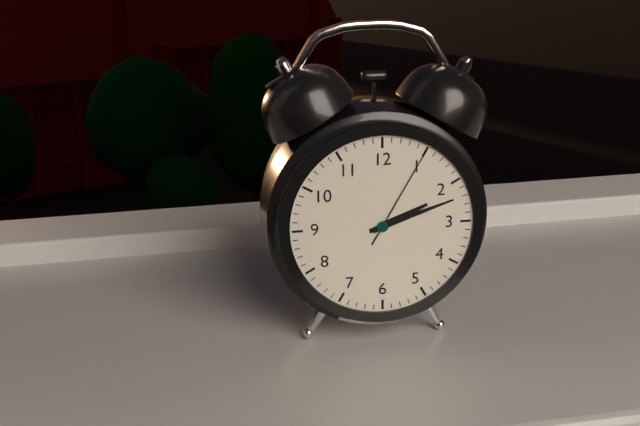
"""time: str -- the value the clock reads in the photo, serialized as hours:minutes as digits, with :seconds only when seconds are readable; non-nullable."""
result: 2:12:05
